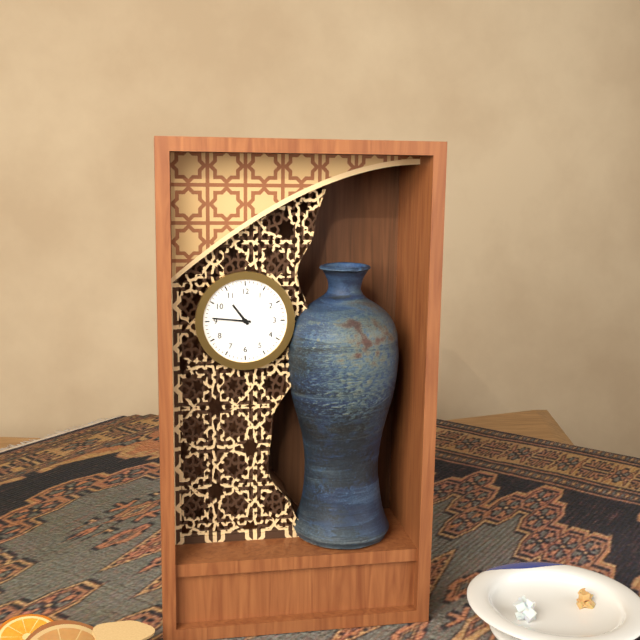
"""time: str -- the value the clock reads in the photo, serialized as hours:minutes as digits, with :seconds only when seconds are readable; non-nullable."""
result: 10:46
